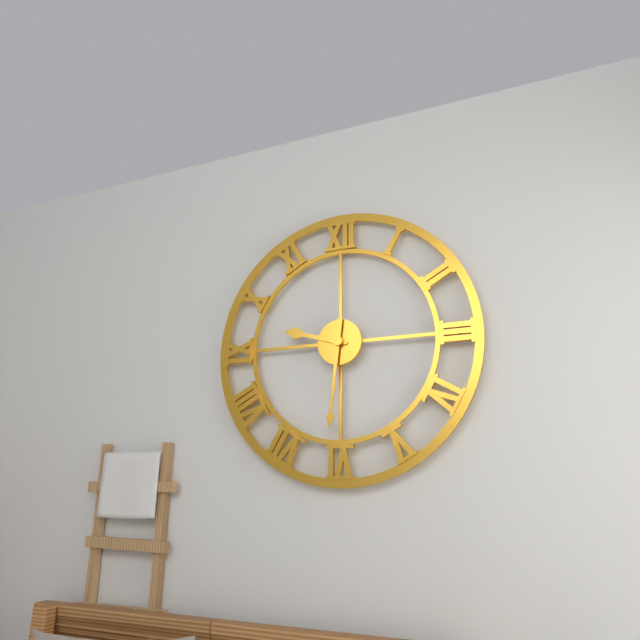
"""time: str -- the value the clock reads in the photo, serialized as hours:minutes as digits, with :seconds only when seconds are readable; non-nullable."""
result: 9:31
